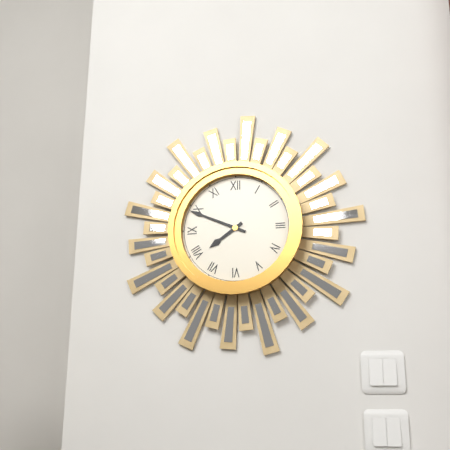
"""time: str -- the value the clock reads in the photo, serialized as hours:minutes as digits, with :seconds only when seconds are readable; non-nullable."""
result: 7:49
